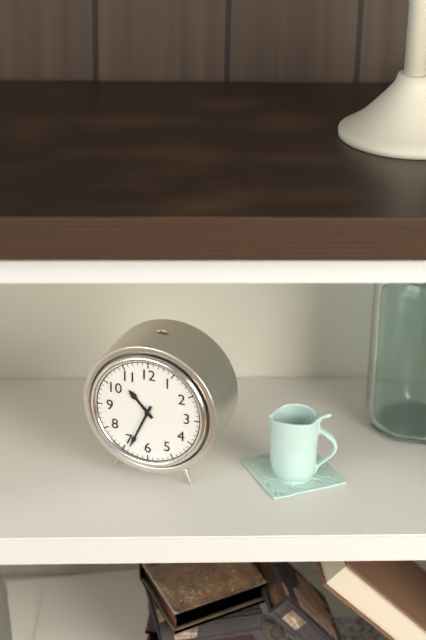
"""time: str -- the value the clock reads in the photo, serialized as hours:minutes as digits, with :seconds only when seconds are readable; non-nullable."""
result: 10:34
